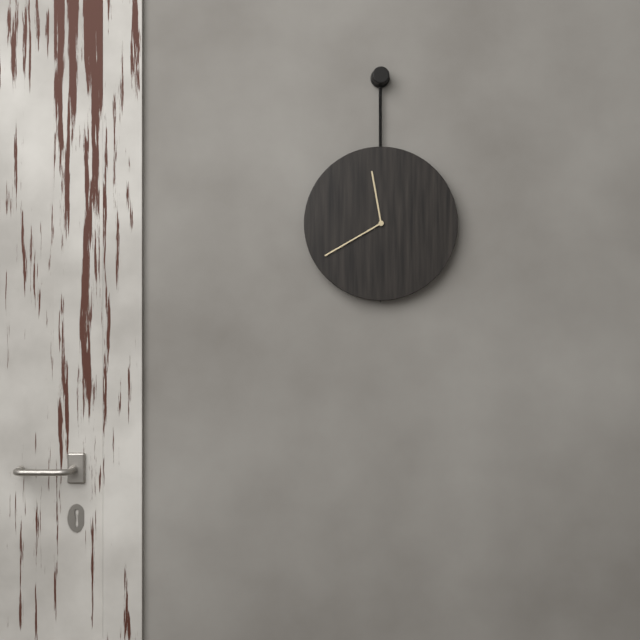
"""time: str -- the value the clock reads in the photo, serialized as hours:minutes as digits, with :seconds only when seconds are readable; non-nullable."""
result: 11:40
